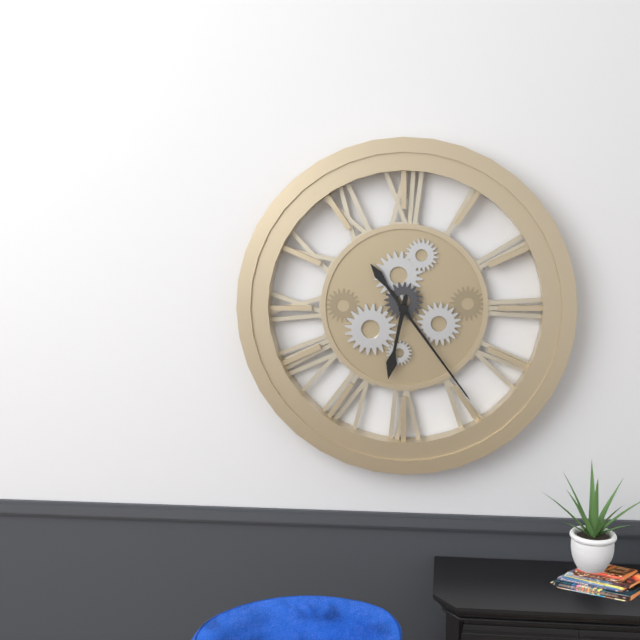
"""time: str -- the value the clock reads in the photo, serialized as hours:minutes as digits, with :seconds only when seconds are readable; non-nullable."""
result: 6:24
